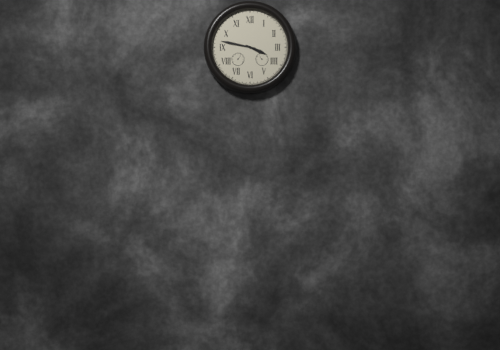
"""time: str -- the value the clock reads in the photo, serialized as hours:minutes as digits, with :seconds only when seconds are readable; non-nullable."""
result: 3:47
